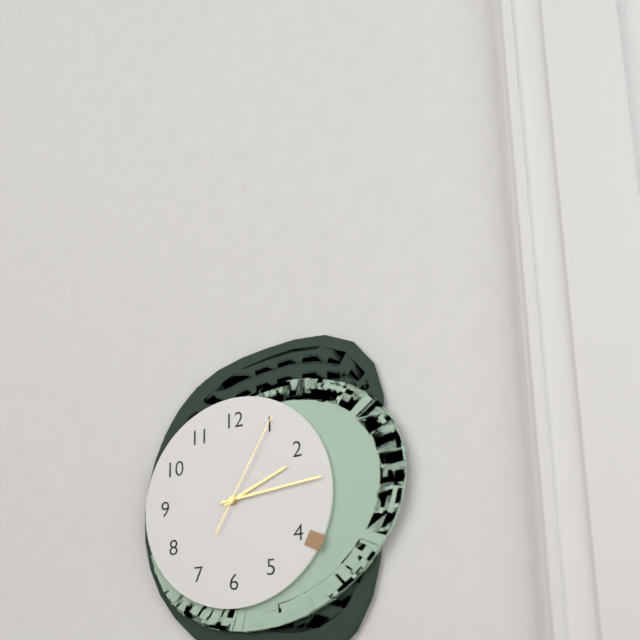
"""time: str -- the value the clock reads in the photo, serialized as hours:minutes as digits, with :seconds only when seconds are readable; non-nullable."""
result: 2:14:05
